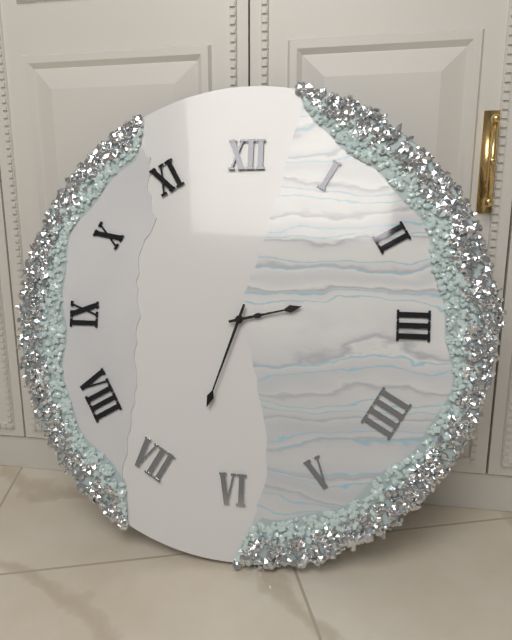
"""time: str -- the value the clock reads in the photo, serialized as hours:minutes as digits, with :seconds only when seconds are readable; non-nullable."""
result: 2:33
